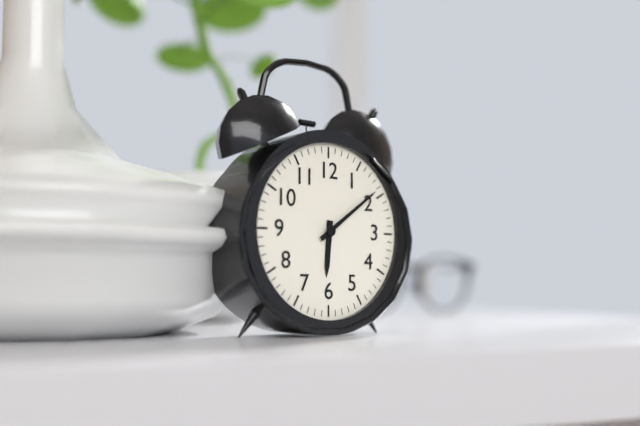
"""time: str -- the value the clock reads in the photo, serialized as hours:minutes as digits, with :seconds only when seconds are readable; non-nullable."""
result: 6:09
